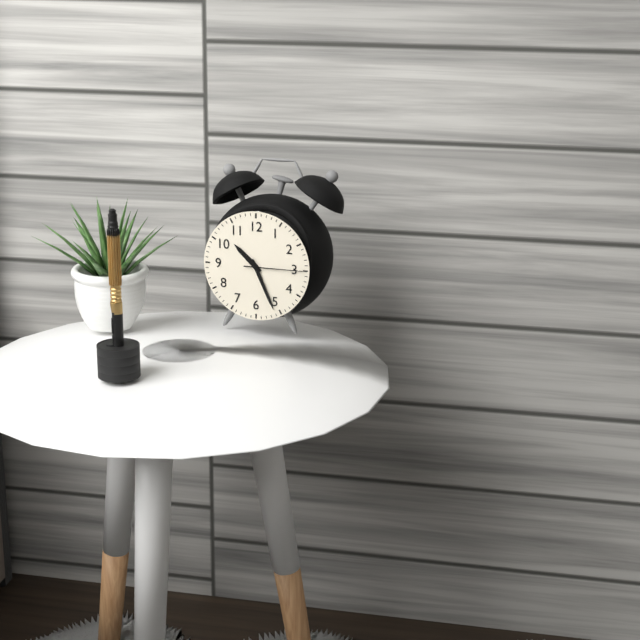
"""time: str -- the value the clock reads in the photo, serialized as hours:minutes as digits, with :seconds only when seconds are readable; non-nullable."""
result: 10:26:15
